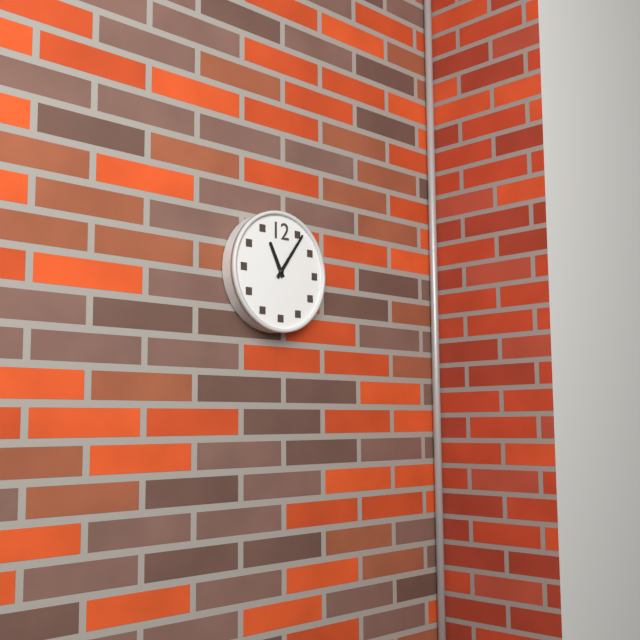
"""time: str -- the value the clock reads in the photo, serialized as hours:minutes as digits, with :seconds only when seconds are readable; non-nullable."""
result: 11:06
